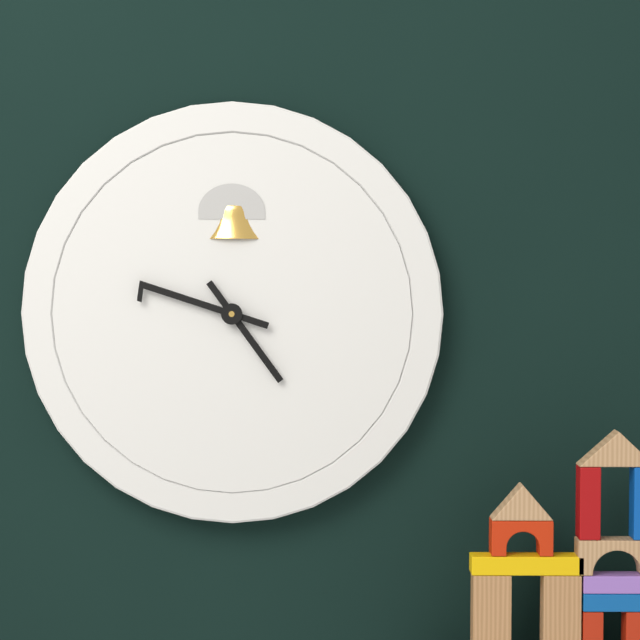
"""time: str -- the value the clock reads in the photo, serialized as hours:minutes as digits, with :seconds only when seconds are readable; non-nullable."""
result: 4:48
